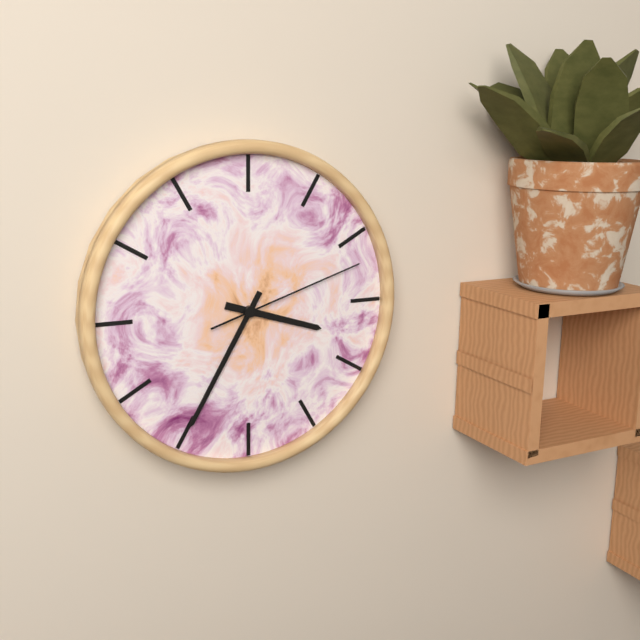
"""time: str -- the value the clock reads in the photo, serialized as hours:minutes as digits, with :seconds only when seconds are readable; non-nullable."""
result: 3:35:12
